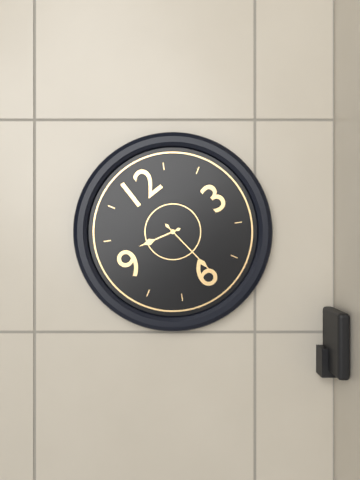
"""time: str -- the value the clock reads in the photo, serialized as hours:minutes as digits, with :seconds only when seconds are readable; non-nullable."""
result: 9:29
